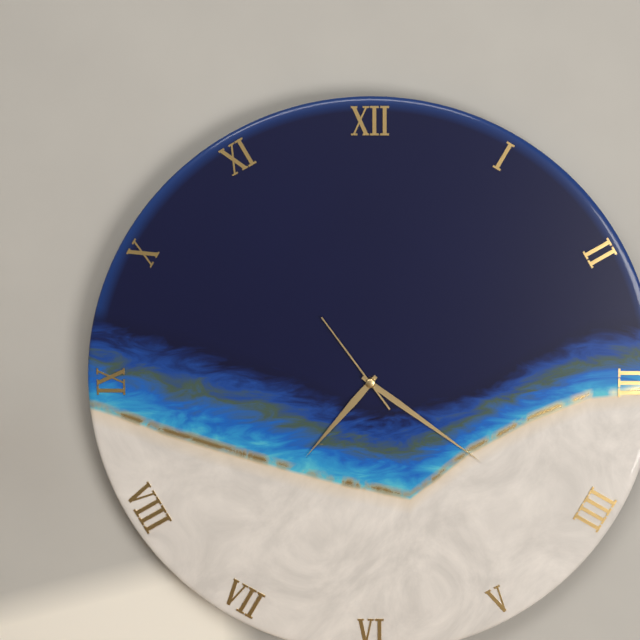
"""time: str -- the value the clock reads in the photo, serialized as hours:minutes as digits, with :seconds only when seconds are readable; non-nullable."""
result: 7:21:54
